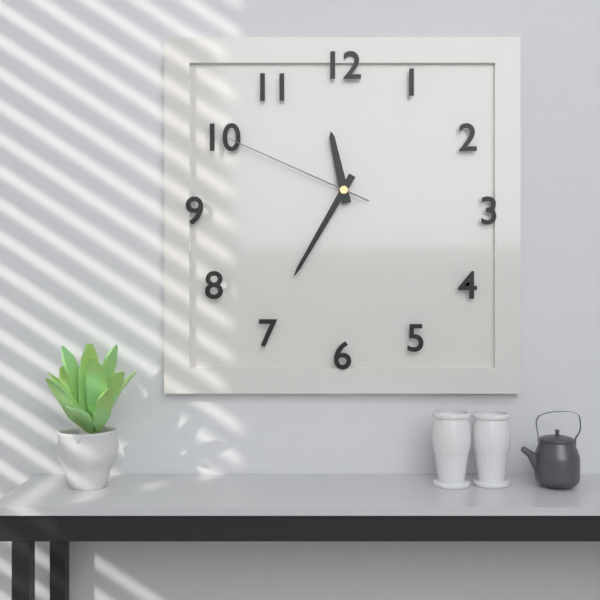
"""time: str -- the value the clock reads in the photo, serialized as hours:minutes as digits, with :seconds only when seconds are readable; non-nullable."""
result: 11:35:49
